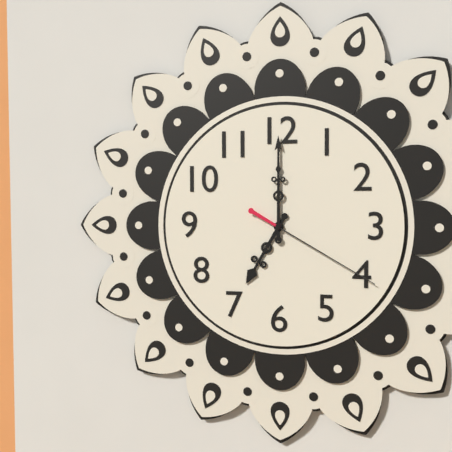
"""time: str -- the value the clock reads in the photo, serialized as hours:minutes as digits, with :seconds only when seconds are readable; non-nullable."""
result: 7:00:20
